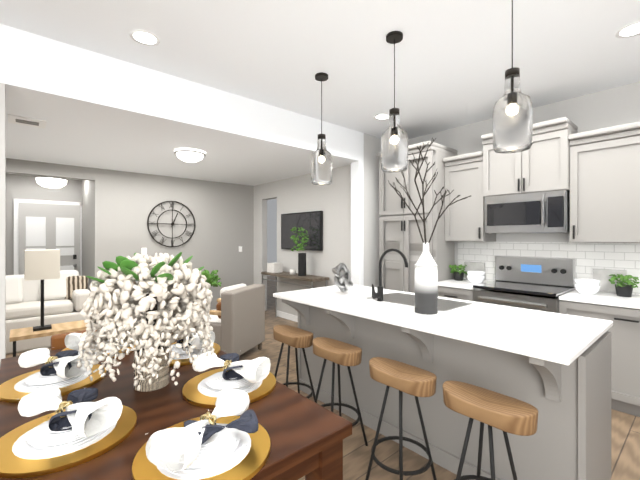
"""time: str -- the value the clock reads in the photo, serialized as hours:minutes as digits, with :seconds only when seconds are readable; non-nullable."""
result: 12:45
